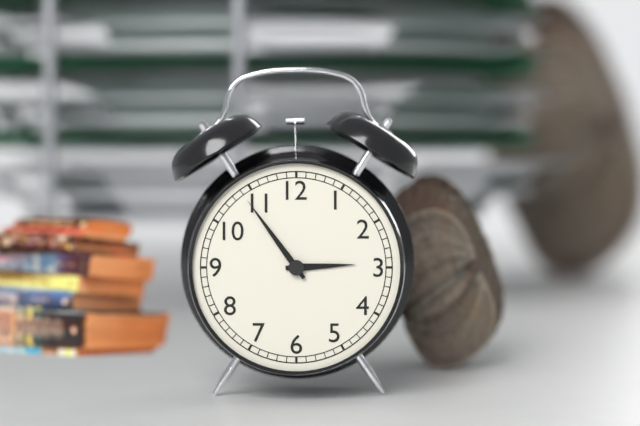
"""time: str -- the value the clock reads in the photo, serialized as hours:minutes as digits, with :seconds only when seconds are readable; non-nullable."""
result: 2:54
